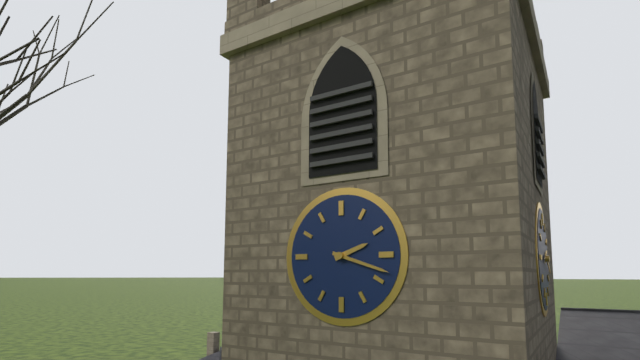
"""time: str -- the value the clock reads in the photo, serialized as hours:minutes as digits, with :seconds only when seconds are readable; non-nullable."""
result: 2:18
